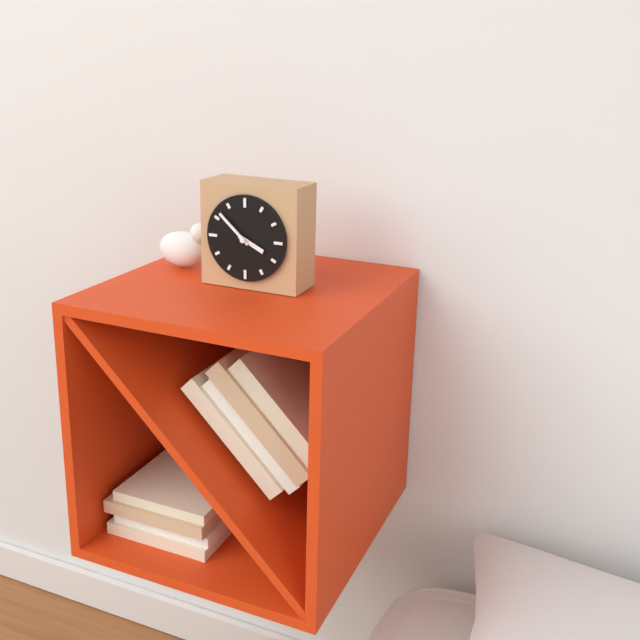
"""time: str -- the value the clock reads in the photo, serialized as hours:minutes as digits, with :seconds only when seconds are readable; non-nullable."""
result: 3:52
